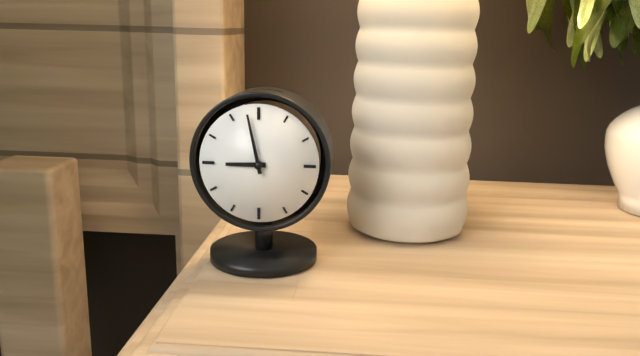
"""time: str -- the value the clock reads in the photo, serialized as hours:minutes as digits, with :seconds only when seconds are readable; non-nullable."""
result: 8:58
